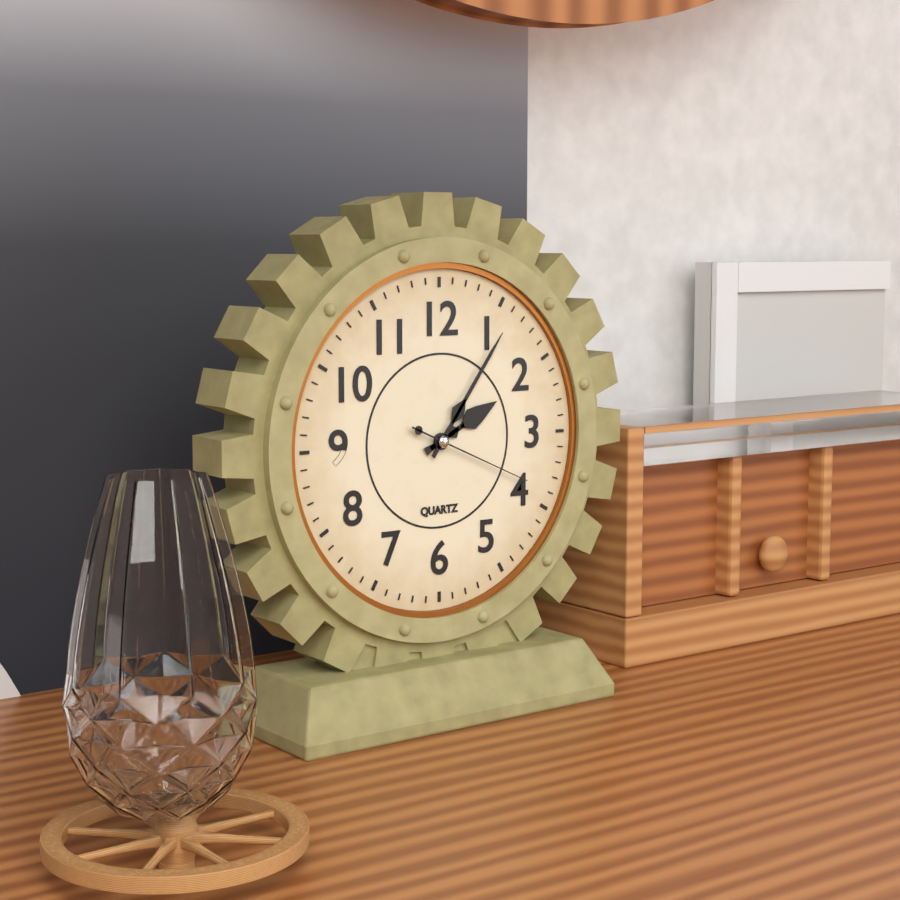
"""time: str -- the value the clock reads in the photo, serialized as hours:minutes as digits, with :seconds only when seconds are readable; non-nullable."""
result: 2:06:19
